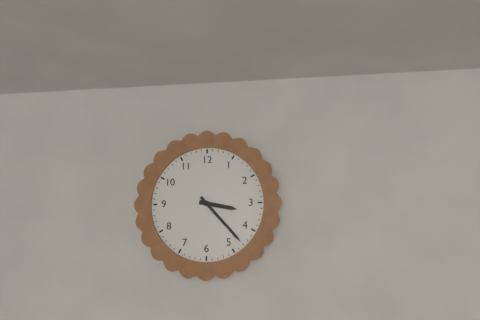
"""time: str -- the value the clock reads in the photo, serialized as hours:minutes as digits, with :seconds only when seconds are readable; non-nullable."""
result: 3:23
